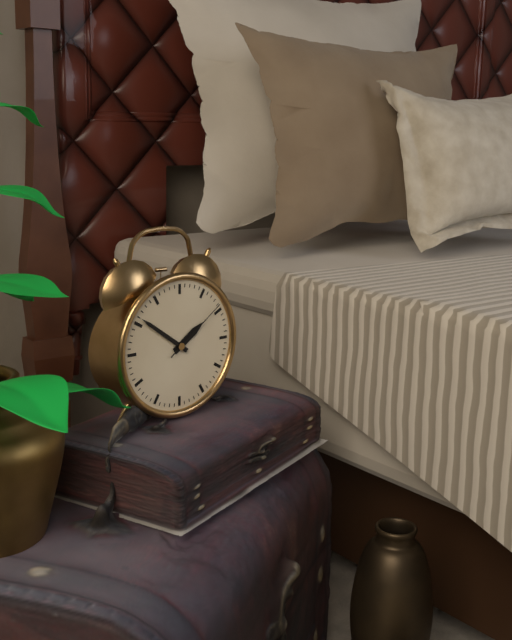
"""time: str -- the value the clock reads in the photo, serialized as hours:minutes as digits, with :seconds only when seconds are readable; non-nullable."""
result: 1:51:09
